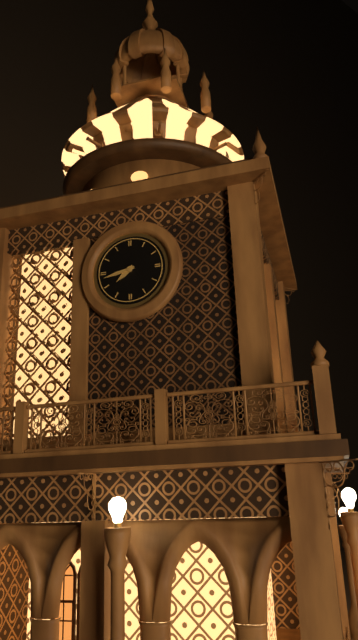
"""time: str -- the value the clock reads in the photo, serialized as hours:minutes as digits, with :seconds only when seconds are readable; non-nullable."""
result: 7:43
